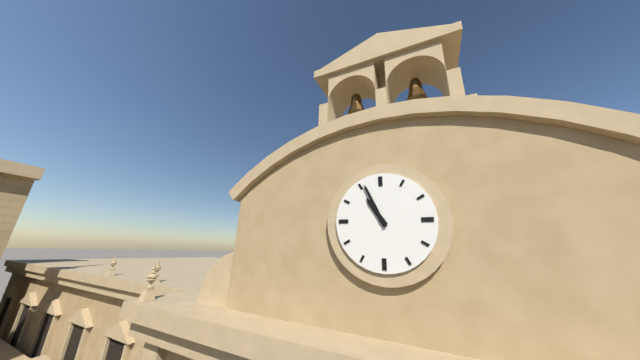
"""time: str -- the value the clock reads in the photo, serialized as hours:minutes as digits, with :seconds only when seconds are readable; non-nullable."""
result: 10:56
